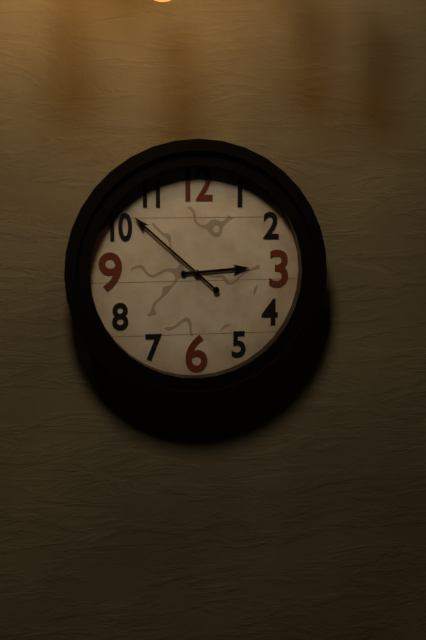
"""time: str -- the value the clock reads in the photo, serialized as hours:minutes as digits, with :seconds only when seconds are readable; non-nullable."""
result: 2:52
